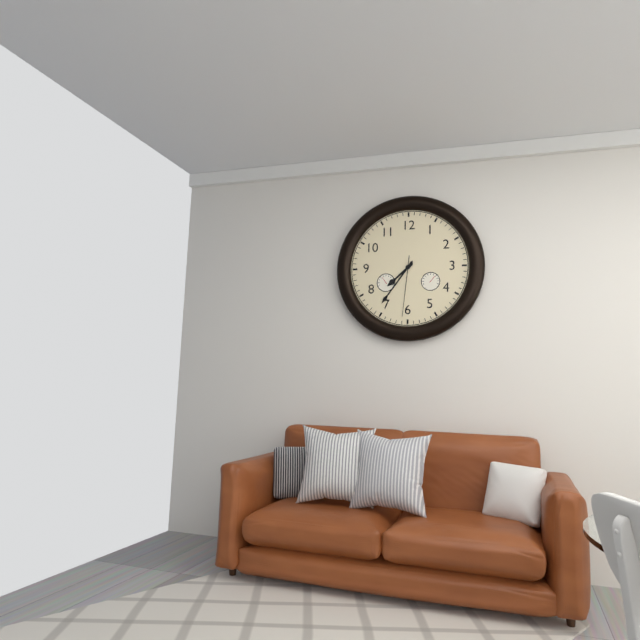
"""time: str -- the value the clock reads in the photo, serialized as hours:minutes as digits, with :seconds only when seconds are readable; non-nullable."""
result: 7:36:31
